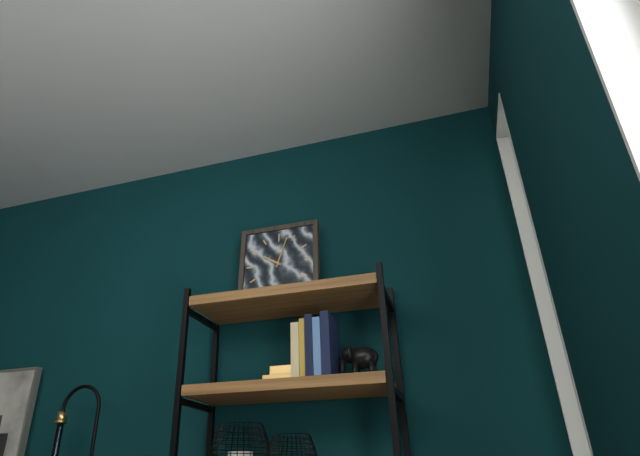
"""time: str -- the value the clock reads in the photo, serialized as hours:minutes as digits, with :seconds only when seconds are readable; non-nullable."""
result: 10:03
